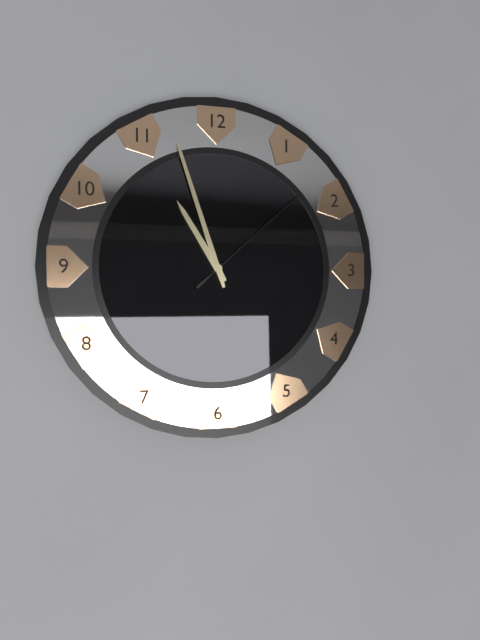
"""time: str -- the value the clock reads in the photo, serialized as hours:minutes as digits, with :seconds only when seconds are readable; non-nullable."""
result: 10:57:08
